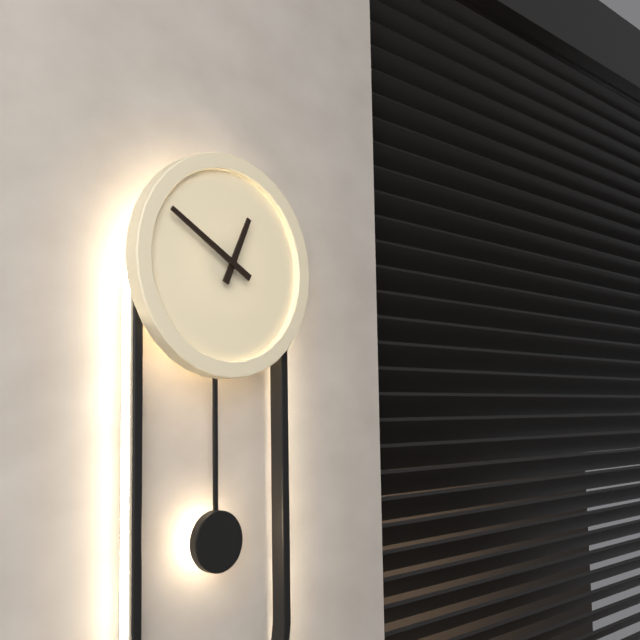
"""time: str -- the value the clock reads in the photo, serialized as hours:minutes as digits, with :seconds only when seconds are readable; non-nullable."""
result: 12:50
